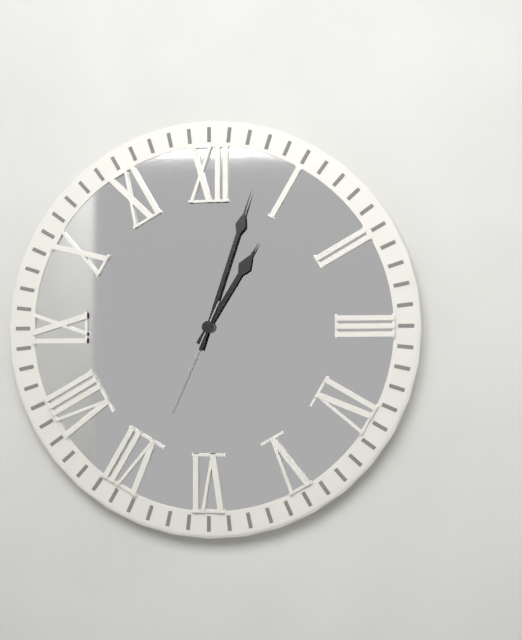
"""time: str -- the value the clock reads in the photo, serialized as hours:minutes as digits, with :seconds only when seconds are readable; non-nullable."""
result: 1:03:34
